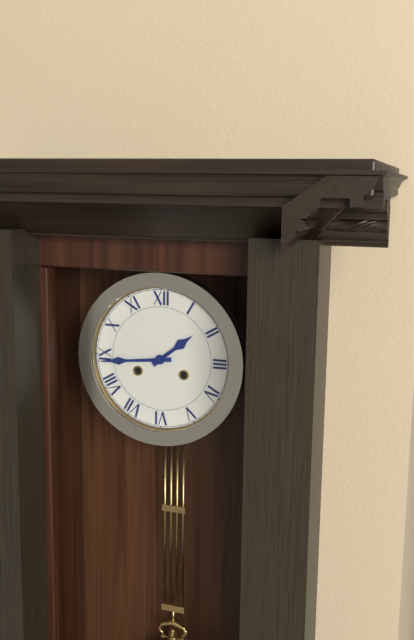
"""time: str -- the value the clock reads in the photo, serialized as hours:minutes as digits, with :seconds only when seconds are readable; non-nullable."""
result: 1:44
